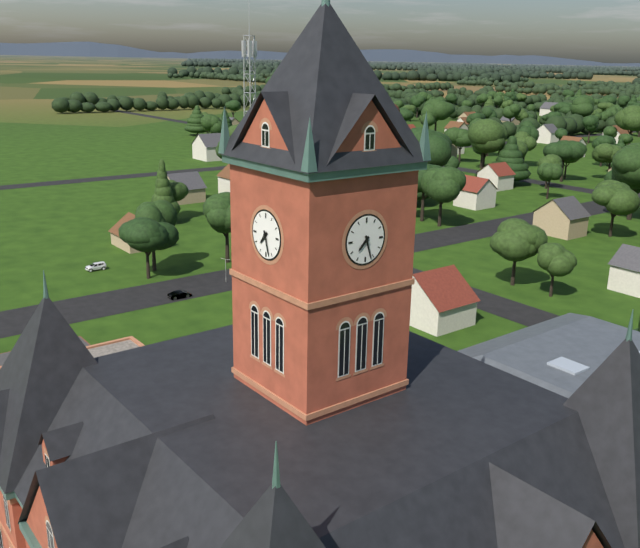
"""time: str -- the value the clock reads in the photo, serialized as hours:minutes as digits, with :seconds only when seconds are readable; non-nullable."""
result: 7:27
